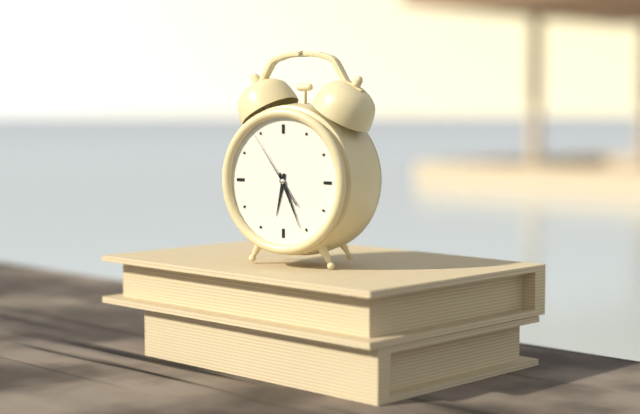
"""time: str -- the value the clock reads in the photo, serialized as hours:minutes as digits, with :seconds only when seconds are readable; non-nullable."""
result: 6:26:54
